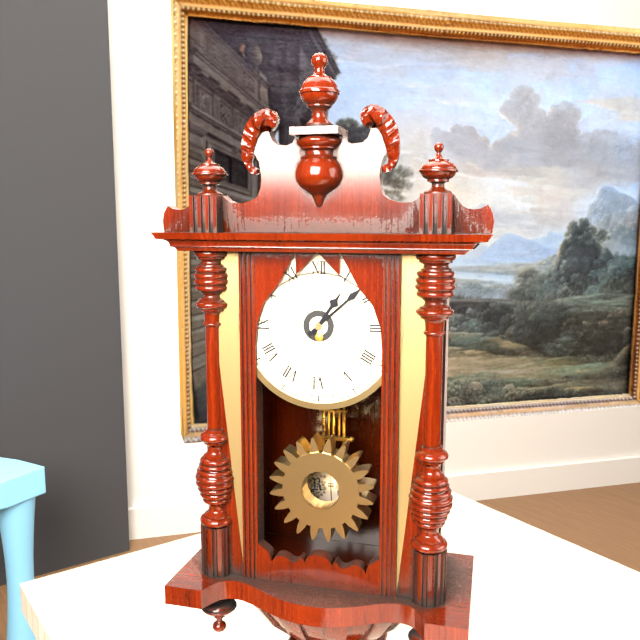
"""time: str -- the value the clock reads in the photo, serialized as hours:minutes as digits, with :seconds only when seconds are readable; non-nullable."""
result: 1:08
